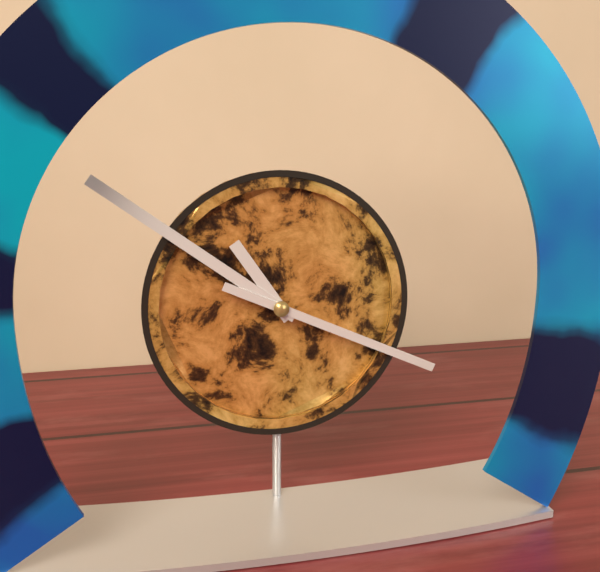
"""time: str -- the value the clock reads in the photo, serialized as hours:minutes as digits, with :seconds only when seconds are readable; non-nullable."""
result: 10:51:19
